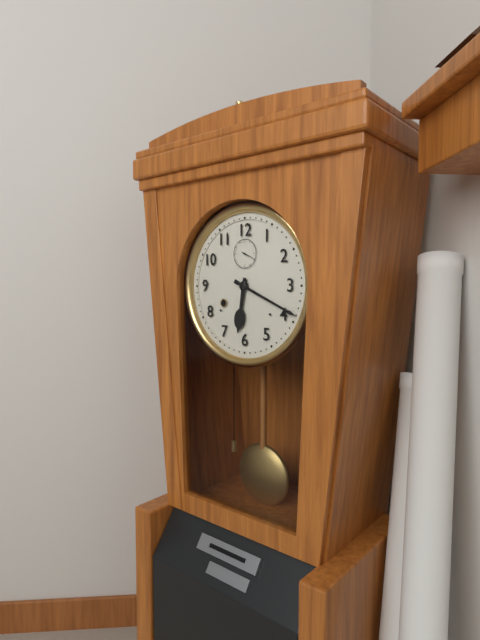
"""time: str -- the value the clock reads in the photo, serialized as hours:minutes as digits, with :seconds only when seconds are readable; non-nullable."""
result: 6:19
